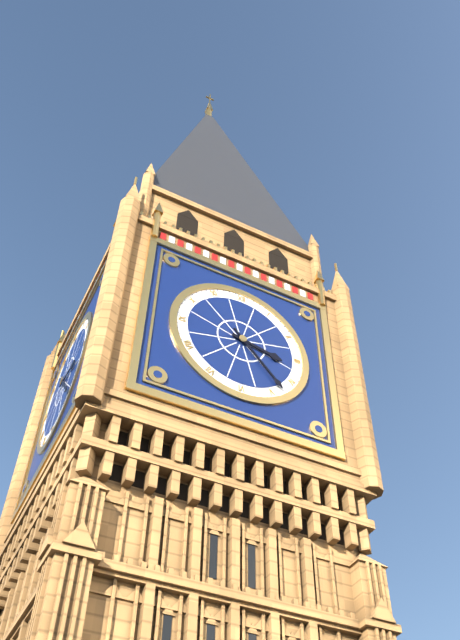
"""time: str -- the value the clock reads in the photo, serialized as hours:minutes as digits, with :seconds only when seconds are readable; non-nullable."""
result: 3:23
